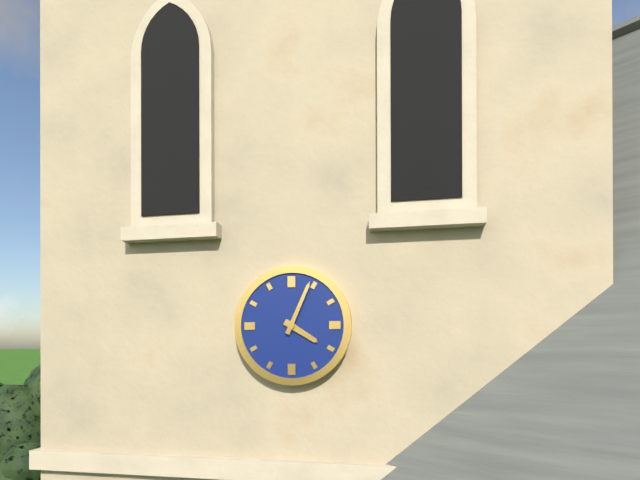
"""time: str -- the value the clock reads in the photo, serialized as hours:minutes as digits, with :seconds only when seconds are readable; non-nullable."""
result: 4:04
